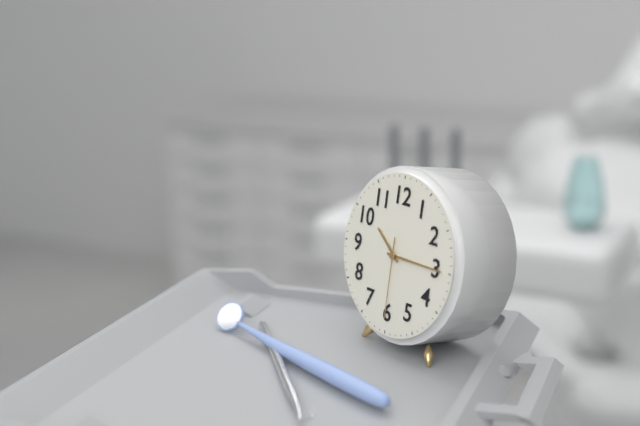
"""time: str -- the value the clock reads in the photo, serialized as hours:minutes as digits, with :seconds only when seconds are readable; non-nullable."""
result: 10:15:30
